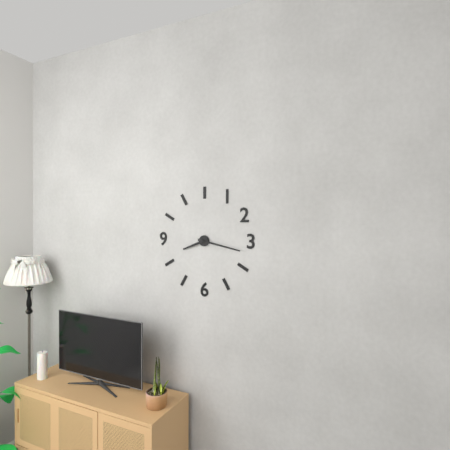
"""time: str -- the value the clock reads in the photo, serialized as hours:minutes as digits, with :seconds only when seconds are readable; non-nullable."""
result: 8:17
